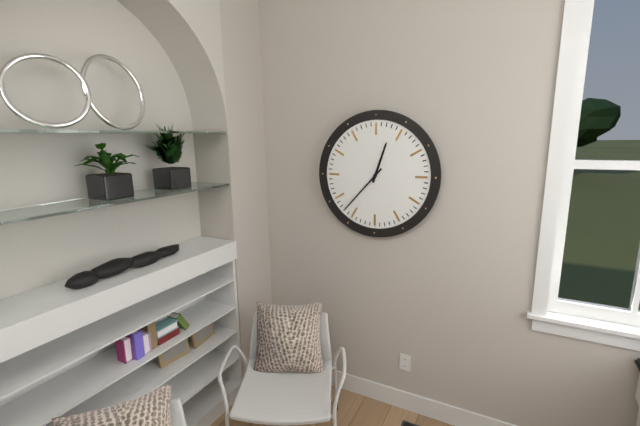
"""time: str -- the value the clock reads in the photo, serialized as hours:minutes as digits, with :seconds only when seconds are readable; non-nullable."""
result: 12:37
